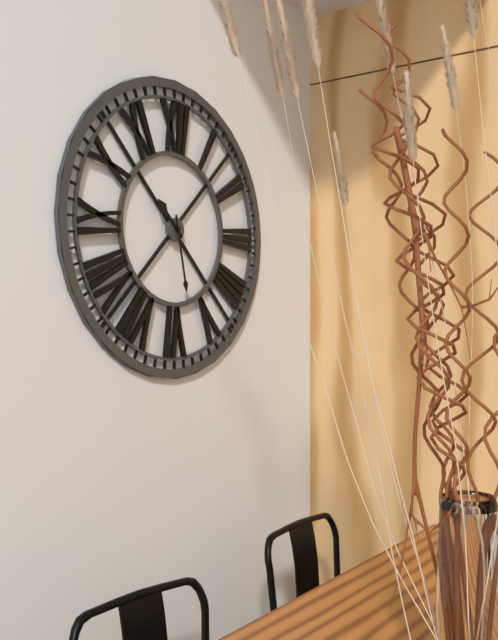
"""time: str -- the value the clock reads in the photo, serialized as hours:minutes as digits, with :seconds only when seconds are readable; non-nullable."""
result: 10:28
